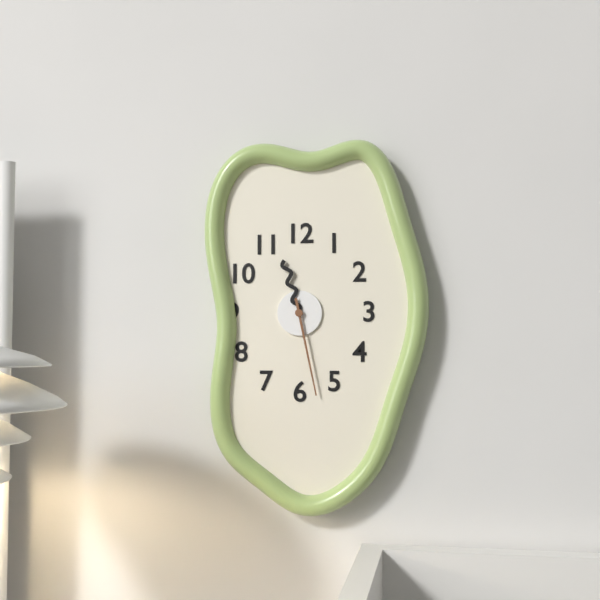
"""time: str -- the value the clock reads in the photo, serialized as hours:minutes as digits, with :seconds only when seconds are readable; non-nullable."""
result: 11:28
